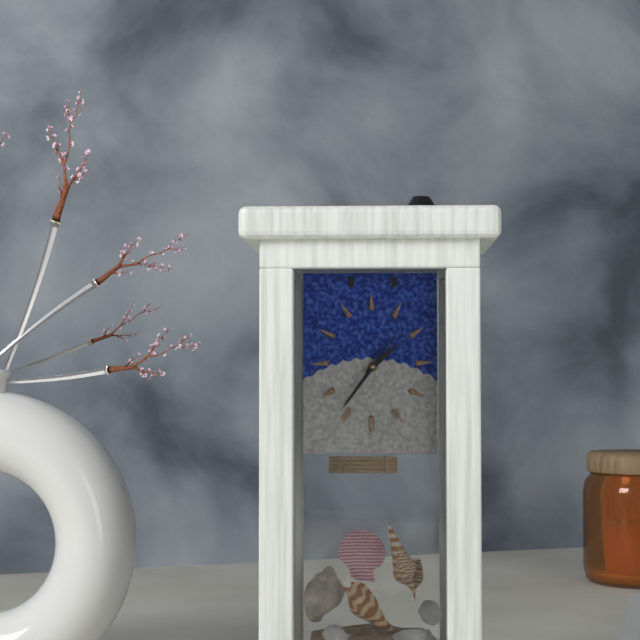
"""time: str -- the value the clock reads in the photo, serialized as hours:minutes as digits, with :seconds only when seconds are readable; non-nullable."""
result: 1:36:06
